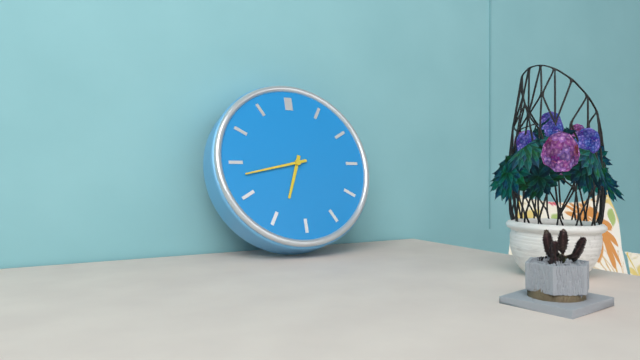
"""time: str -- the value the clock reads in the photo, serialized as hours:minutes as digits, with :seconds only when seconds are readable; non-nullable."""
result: 6:43
